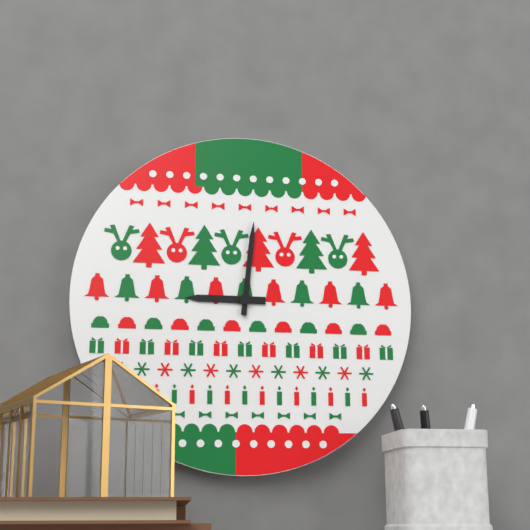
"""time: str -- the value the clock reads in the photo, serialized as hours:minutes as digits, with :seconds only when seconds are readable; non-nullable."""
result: 9:01
